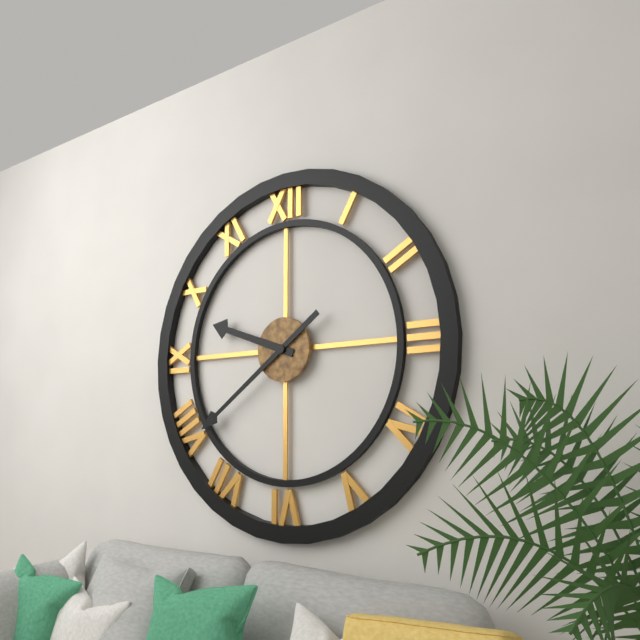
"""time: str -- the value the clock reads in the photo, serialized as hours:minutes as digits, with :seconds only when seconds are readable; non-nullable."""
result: 9:39
